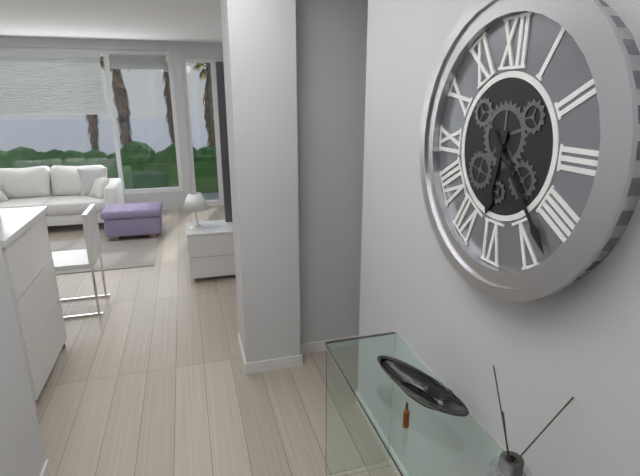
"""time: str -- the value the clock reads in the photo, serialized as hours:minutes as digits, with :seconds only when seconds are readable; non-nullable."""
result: 6:23
